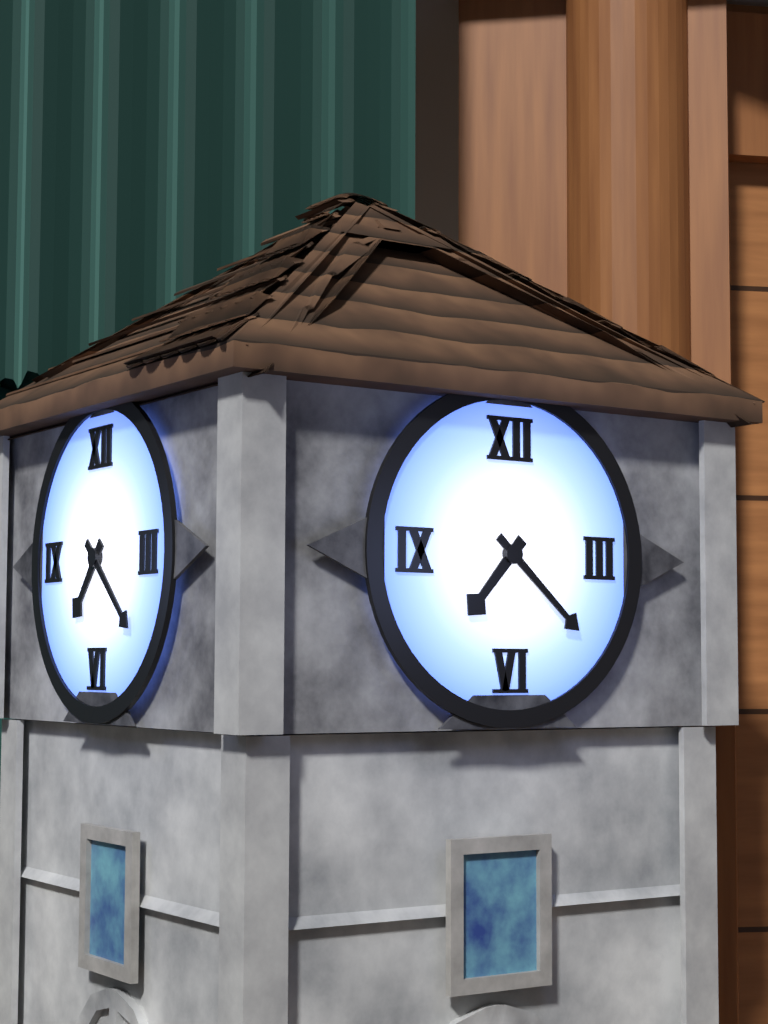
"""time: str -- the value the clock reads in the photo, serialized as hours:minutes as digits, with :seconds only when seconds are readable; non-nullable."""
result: 7:22
